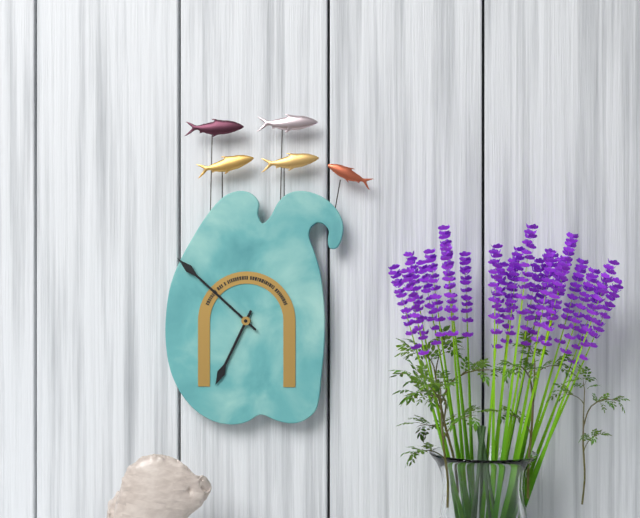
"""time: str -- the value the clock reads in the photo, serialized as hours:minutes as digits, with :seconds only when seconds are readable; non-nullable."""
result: 6:52
